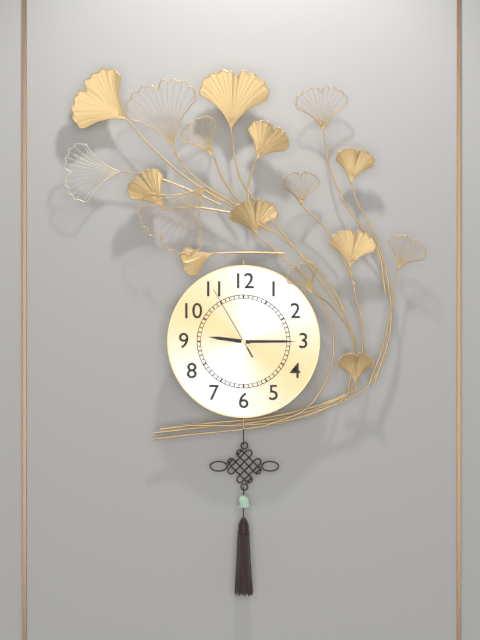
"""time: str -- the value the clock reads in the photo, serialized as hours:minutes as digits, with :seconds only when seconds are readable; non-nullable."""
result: 9:15:55
